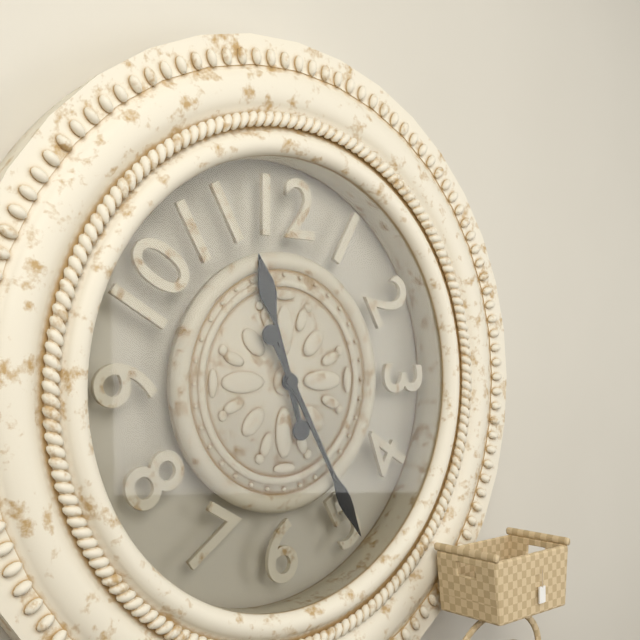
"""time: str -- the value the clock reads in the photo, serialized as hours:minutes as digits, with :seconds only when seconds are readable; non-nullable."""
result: 11:25
